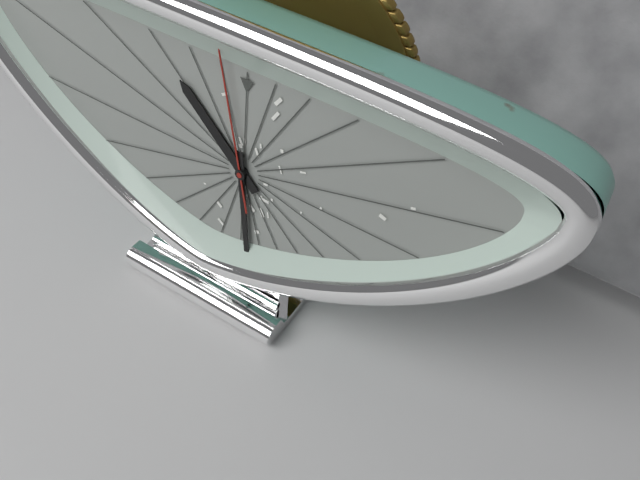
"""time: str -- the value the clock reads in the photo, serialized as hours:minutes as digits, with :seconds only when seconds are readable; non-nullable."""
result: 10:29:58
